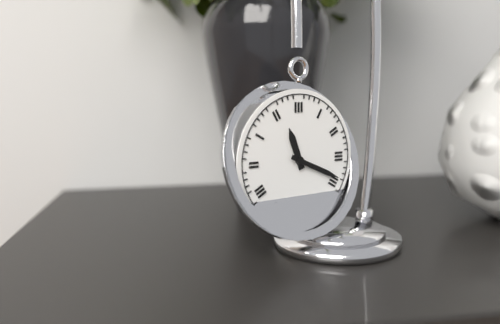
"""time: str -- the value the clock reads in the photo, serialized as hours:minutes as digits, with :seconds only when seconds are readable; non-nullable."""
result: 11:19
